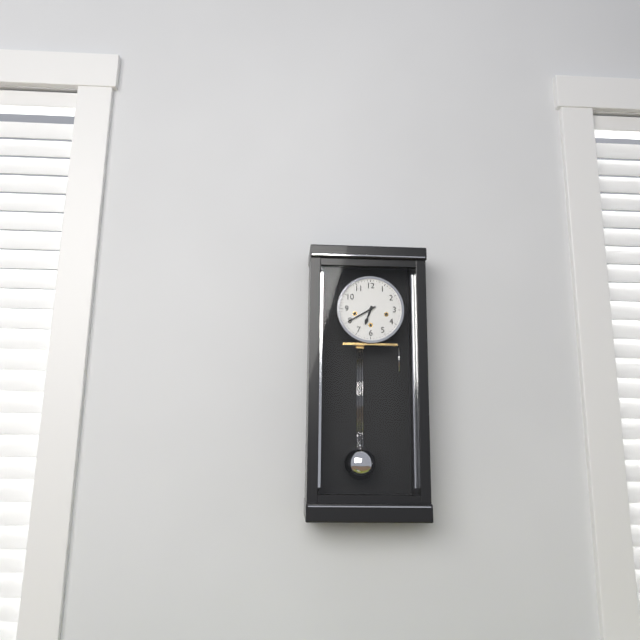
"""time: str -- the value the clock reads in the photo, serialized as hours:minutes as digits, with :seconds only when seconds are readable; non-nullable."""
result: 6:40
